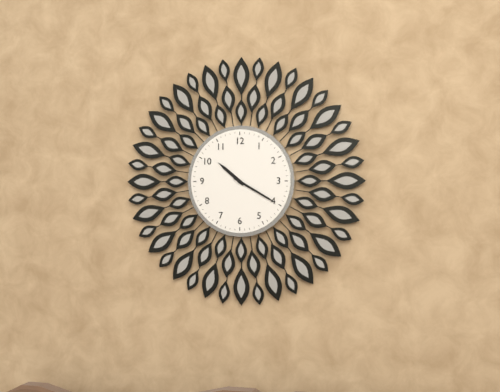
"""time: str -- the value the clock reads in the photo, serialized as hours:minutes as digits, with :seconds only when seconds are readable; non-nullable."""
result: 10:20
